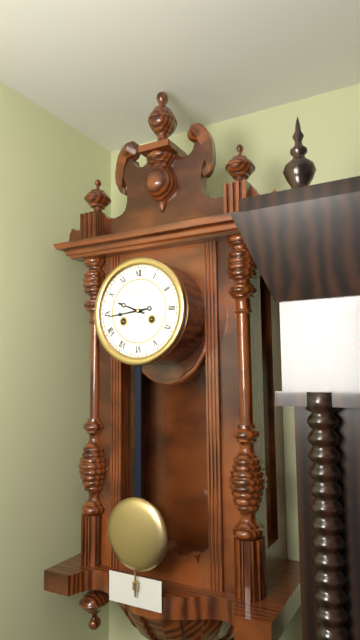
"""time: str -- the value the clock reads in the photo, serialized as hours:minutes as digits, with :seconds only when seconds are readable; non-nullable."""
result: 9:44
